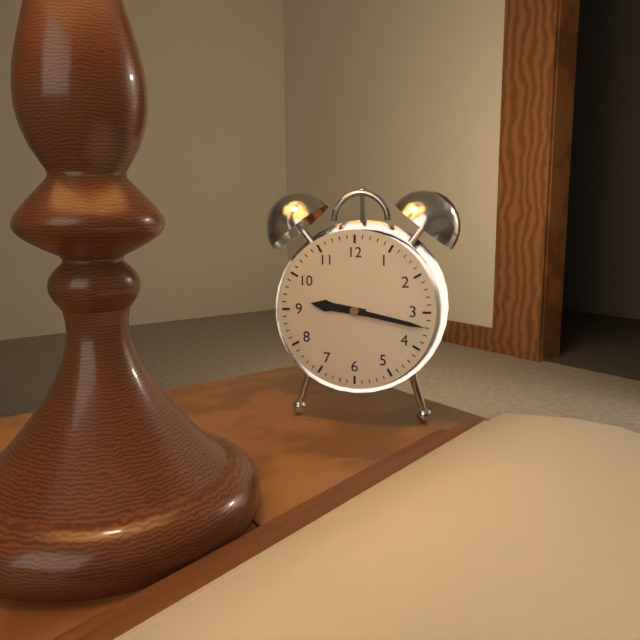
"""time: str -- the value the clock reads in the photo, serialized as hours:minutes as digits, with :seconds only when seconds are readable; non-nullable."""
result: 9:17
